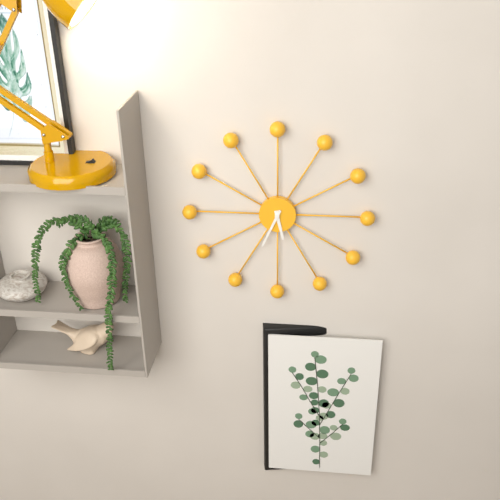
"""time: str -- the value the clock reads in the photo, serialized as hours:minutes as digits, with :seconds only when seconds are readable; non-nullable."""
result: 5:34
